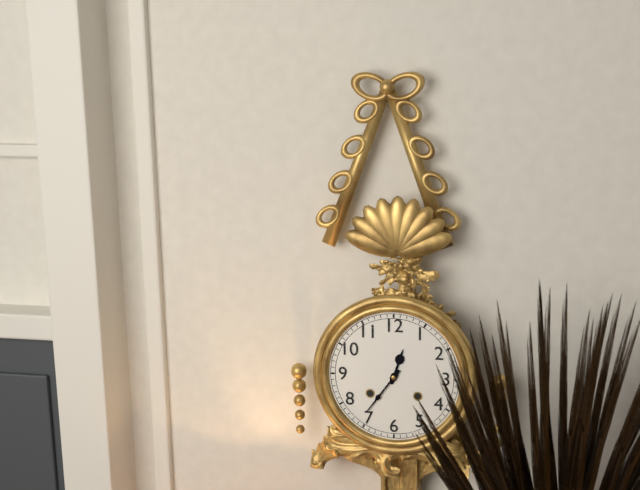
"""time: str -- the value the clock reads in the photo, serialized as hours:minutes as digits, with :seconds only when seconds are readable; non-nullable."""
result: 12:36
